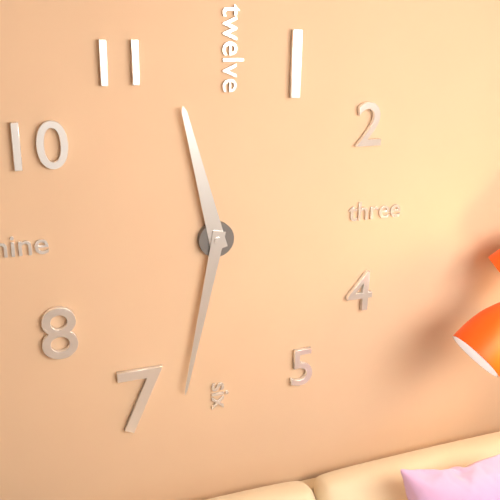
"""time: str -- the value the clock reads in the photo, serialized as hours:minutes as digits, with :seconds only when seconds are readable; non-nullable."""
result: 11:32
